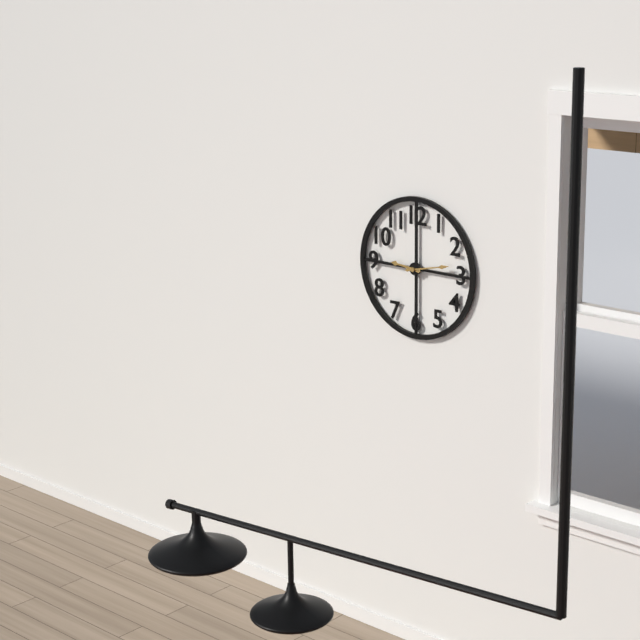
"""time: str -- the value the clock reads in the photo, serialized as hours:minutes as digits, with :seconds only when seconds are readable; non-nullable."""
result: 9:13
